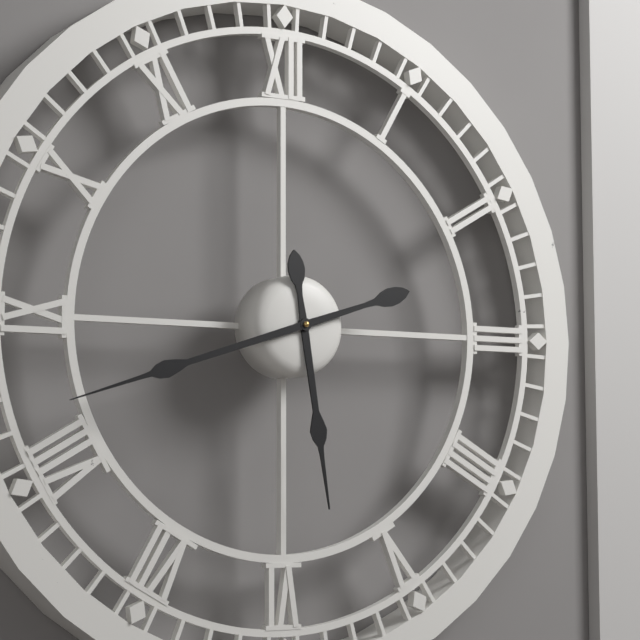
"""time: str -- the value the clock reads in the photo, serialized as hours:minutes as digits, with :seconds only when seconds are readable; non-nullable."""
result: 5:42
